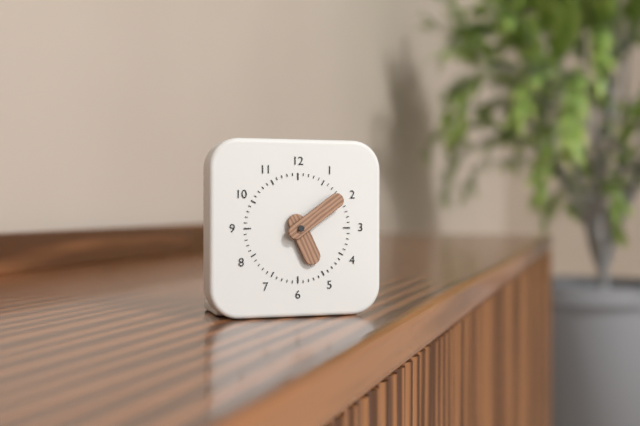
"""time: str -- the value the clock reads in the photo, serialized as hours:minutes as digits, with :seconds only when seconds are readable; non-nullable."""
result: 5:09
